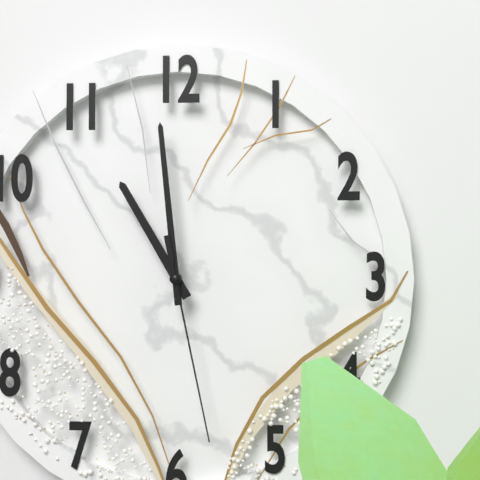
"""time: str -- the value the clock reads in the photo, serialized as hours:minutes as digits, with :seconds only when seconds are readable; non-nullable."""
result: 10:59:28
